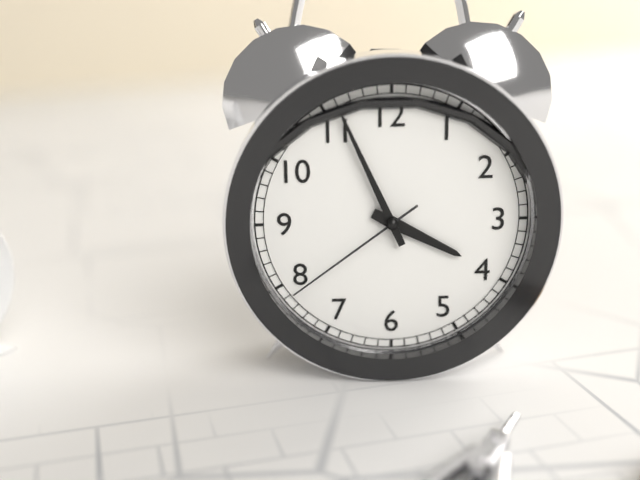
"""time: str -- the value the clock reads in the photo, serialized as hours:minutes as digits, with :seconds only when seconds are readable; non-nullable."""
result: 3:56:39
